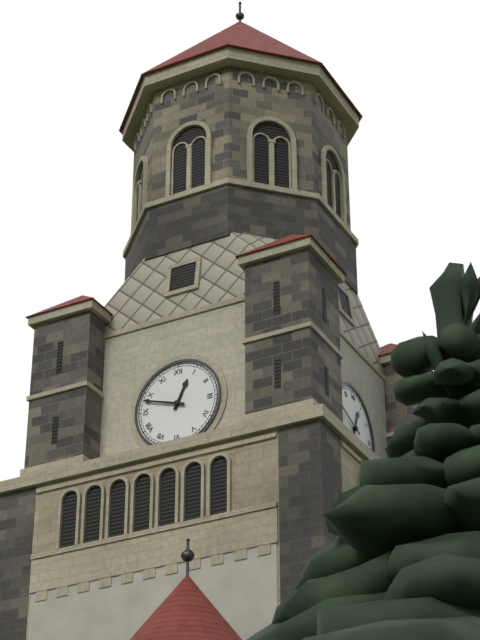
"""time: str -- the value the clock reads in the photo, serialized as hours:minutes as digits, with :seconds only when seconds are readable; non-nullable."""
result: 12:48
